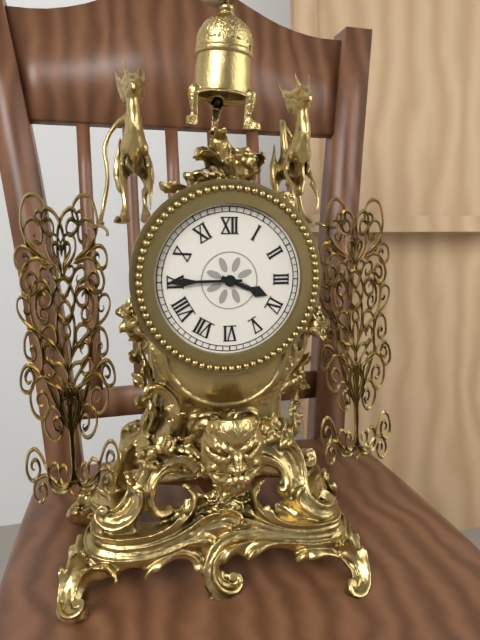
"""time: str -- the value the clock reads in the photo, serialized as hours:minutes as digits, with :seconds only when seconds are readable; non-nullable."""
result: 3:45
